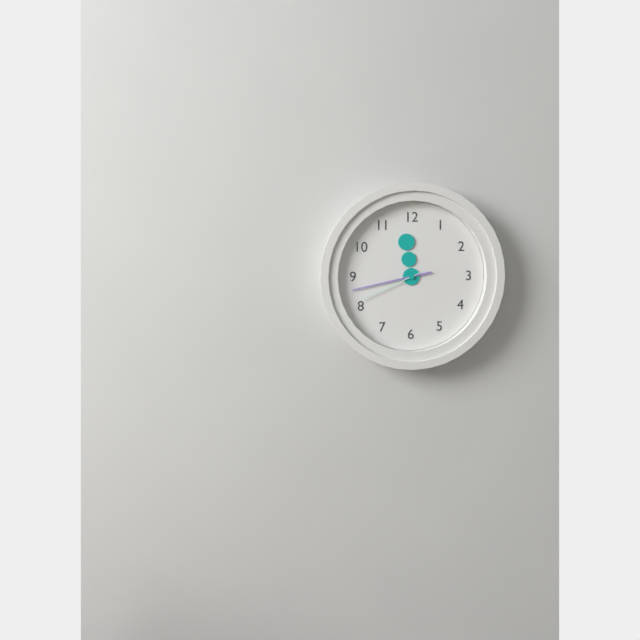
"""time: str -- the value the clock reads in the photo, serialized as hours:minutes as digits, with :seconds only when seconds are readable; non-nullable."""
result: 11:43:41
